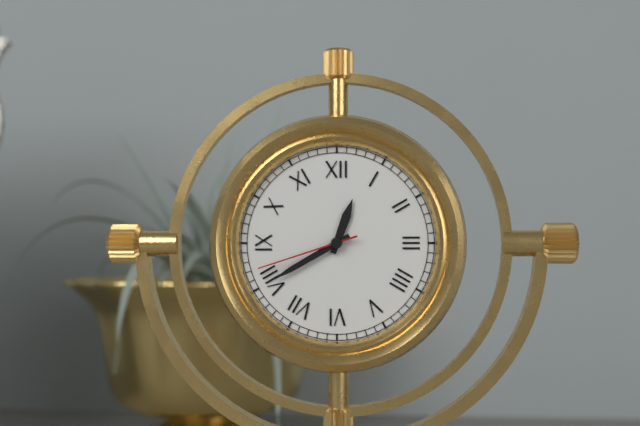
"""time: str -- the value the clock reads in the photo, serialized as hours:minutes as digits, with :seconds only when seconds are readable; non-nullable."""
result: 12:40:42
